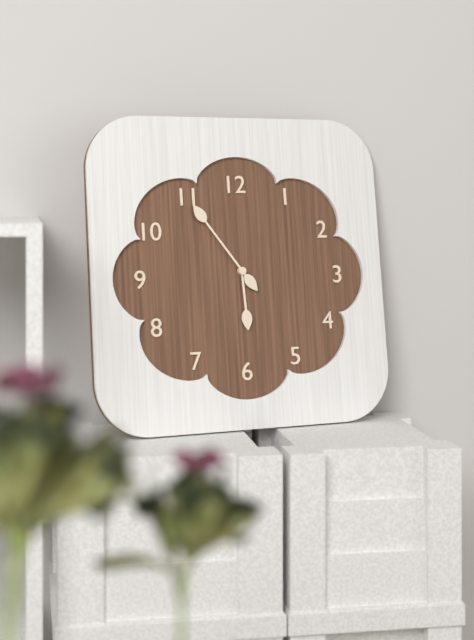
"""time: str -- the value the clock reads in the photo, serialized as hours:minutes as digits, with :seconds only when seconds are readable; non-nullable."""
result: 5:54
